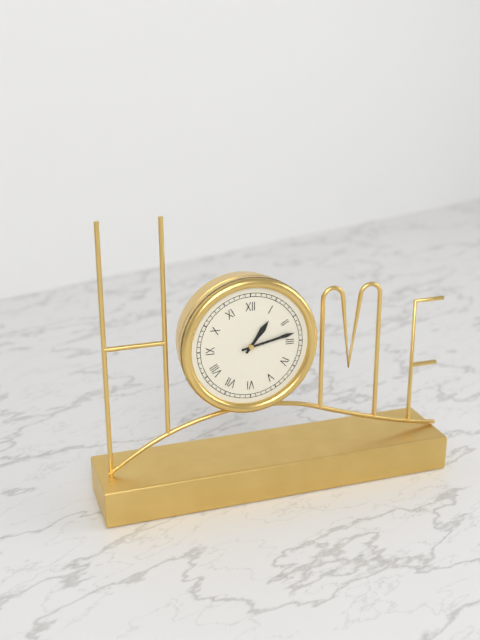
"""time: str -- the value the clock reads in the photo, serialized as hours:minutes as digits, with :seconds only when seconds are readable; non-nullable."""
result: 1:13
